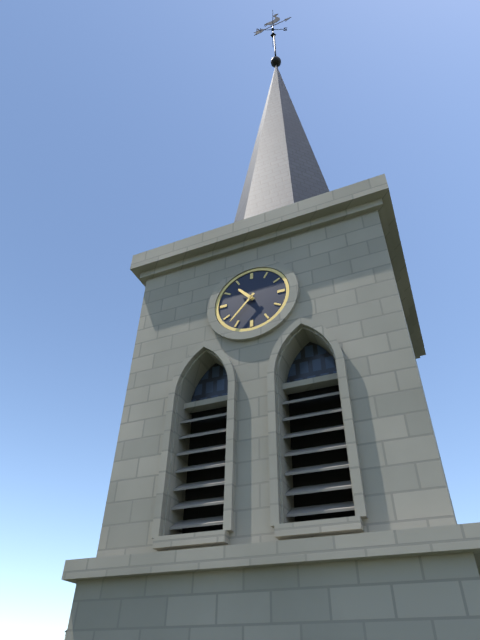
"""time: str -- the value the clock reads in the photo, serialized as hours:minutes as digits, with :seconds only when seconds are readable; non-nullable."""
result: 10:37
